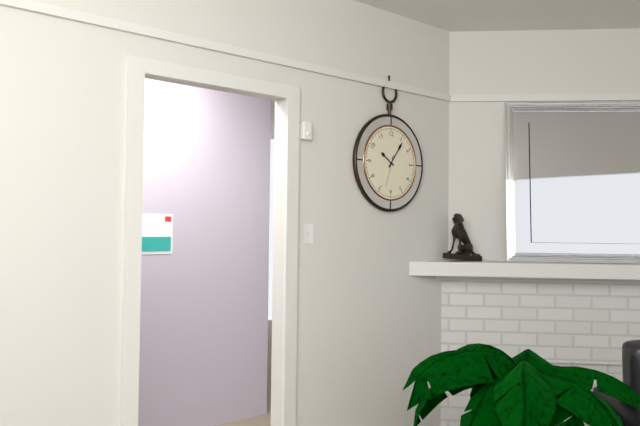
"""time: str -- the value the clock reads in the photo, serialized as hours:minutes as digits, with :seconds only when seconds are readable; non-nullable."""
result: 10:06
